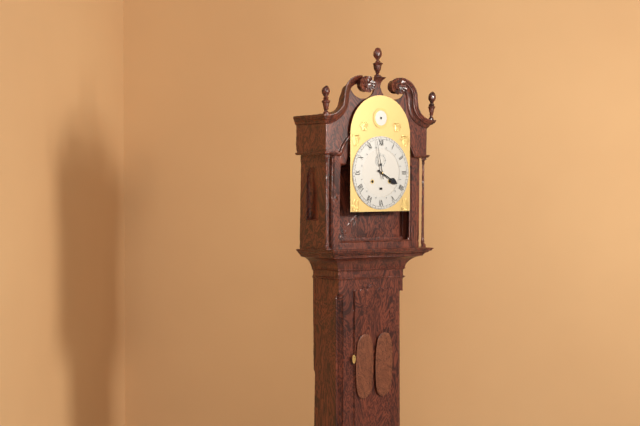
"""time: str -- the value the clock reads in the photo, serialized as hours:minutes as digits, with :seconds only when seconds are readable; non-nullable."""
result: 3:58
